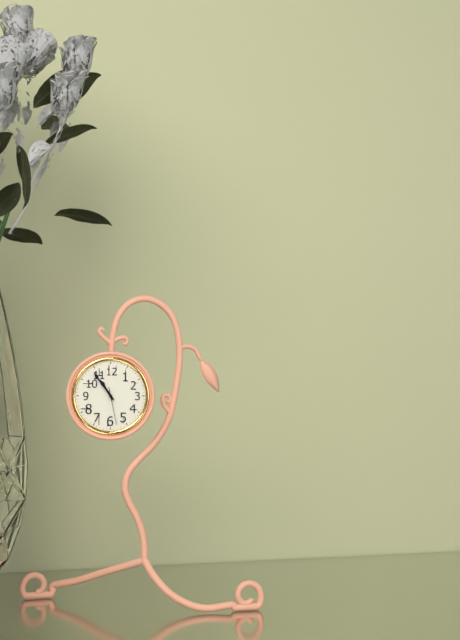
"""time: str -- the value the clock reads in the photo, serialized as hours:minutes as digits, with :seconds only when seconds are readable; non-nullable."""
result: 10:54
